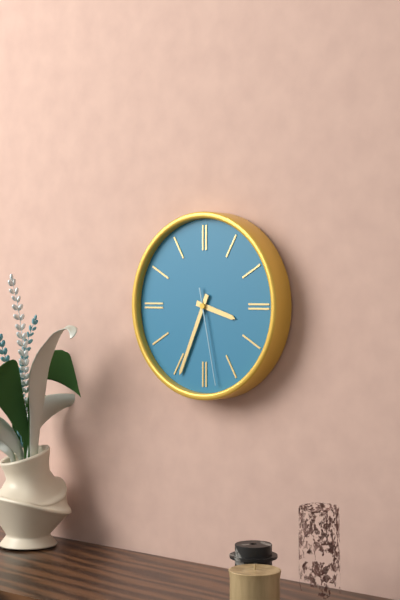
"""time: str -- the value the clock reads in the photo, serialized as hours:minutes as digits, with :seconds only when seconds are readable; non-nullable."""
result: 3:34:28
